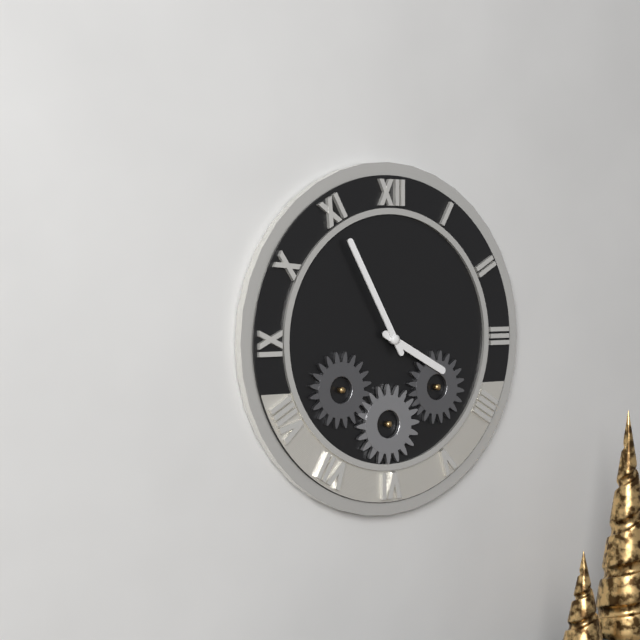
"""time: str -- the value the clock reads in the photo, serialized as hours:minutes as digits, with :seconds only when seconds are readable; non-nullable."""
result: 3:55
